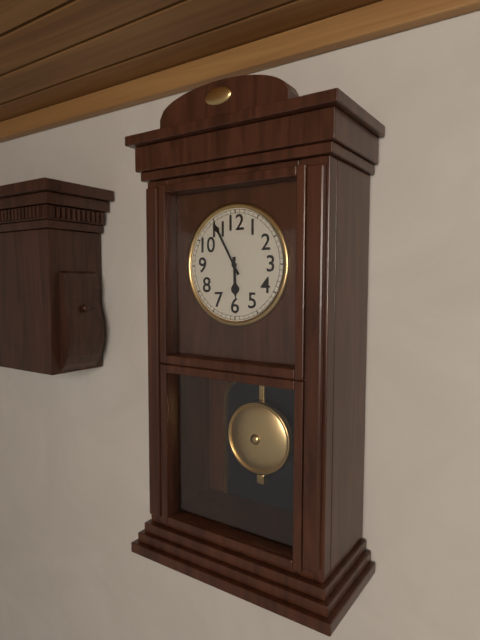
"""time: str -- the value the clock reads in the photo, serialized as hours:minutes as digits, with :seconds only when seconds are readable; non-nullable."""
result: 5:55
